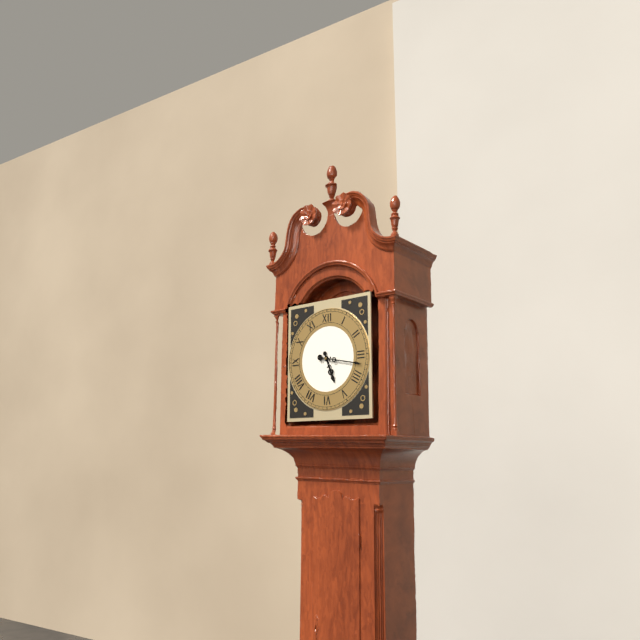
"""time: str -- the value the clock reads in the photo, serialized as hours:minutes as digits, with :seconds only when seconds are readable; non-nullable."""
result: 5:17
